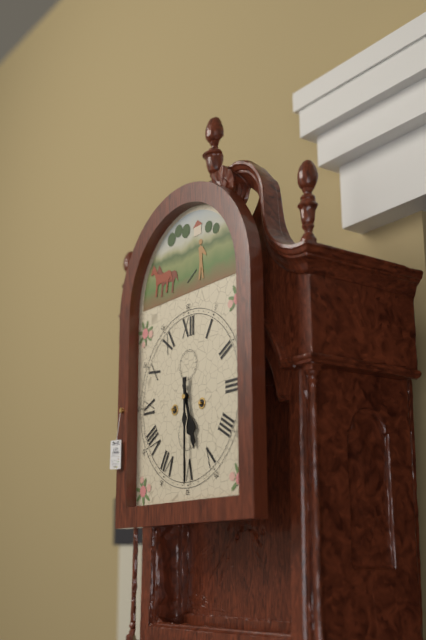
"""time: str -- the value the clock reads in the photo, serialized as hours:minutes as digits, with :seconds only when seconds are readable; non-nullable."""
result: 5:30
